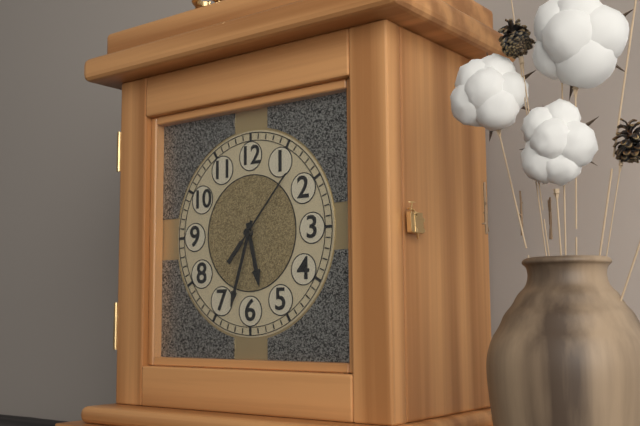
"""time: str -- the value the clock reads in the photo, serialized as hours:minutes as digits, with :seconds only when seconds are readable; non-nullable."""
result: 5:33:07
